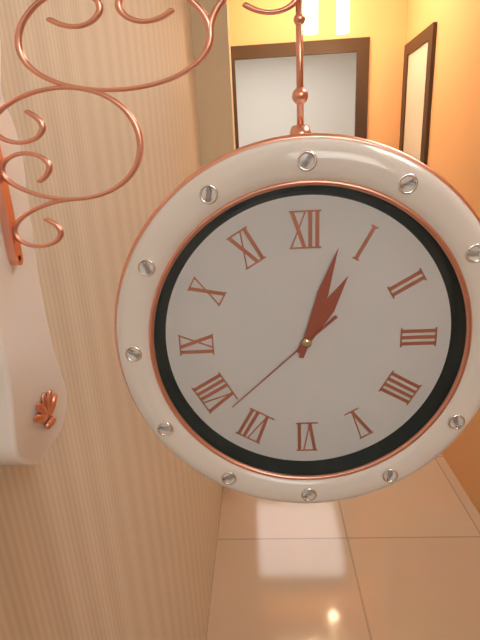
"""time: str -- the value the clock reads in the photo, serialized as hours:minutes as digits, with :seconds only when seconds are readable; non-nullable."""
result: 1:03:38
